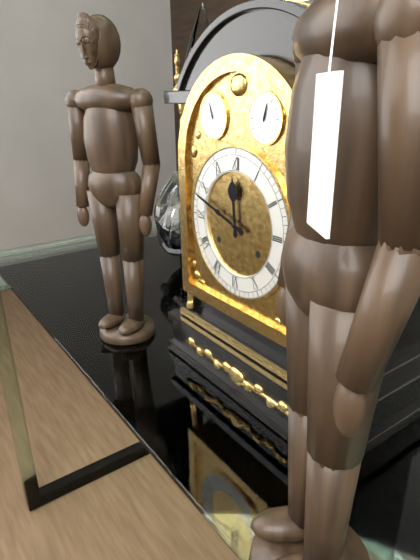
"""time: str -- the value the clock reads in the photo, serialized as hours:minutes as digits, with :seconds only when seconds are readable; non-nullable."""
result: 11:48
